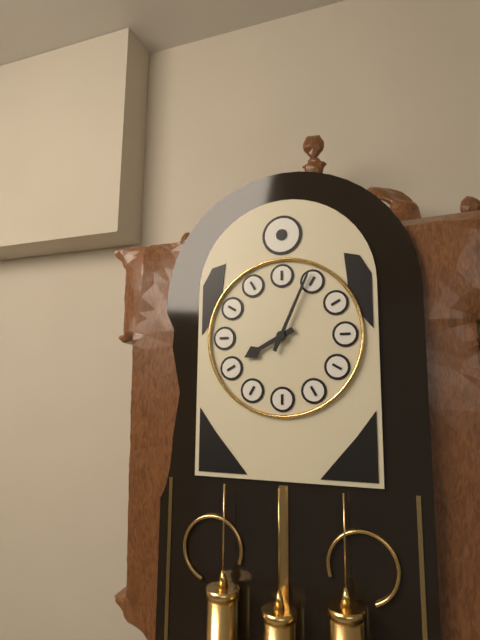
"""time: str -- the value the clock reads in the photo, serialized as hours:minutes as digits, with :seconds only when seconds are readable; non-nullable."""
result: 8:04
